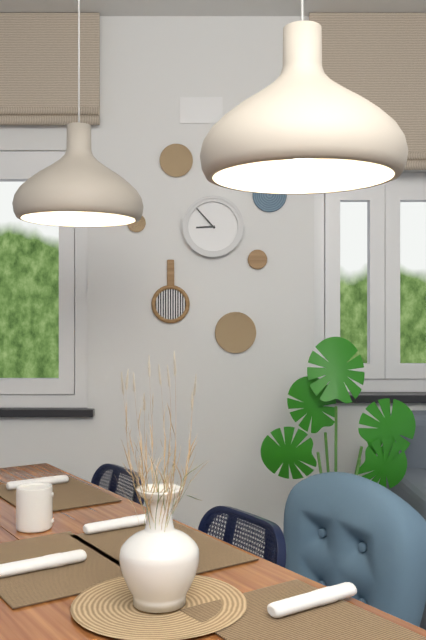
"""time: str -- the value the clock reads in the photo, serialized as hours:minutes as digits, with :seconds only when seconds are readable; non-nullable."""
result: 8:53
